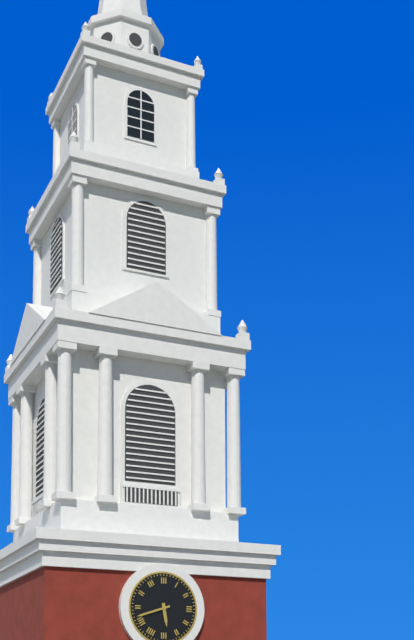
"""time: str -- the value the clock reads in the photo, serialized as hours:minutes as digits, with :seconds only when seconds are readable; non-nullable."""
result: 5:42
